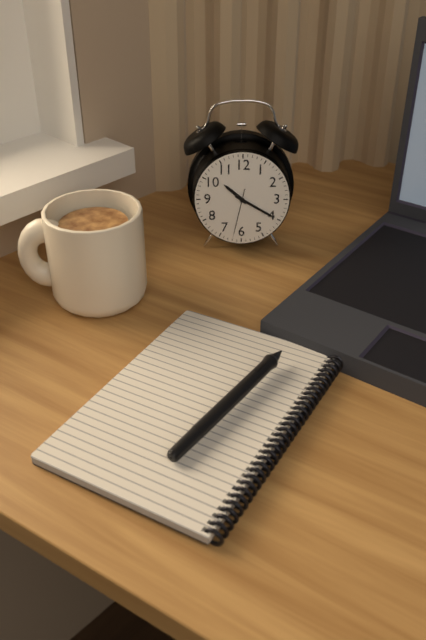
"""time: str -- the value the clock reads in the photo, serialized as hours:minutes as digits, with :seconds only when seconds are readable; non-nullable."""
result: 10:20:32
